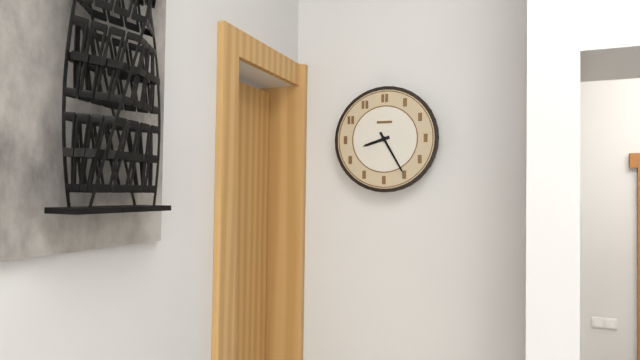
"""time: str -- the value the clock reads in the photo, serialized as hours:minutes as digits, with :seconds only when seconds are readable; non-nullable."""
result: 8:25
